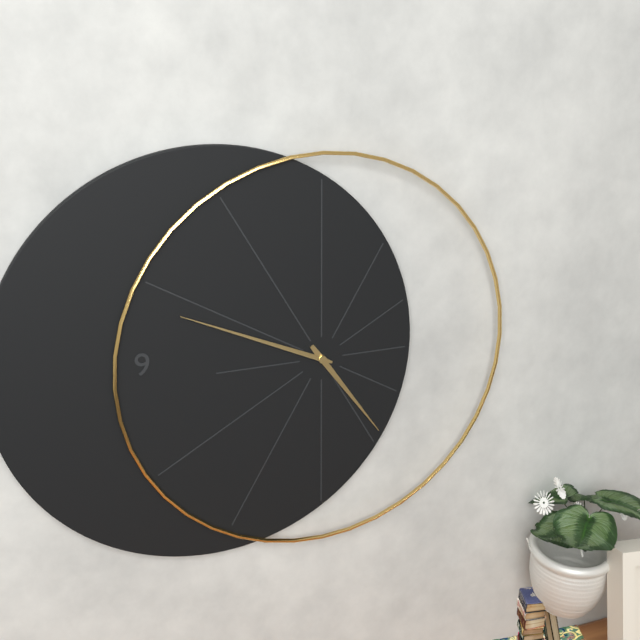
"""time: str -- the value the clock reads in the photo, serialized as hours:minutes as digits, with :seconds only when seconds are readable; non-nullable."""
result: 4:49
